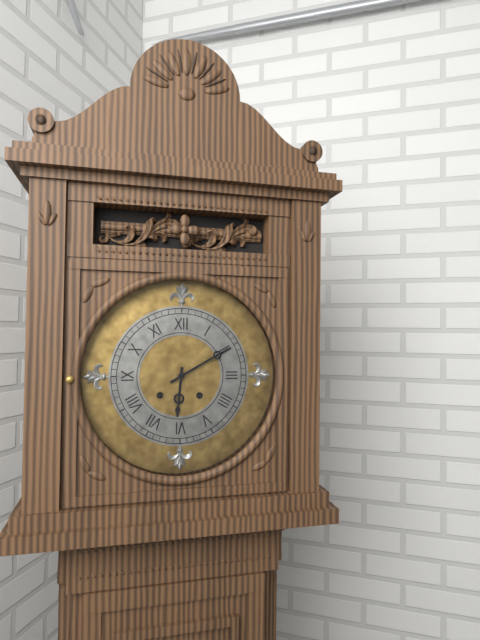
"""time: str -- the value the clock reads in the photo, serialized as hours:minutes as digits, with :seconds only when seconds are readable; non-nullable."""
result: 6:10
